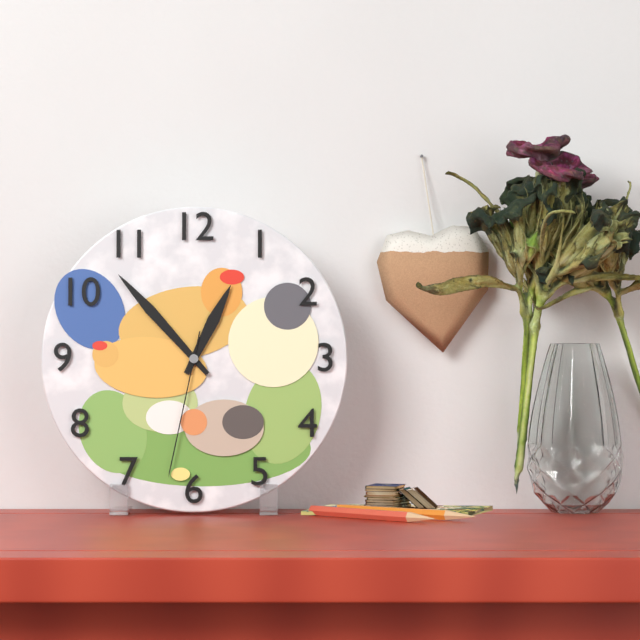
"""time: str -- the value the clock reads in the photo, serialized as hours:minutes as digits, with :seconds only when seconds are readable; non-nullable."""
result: 12:53:32
